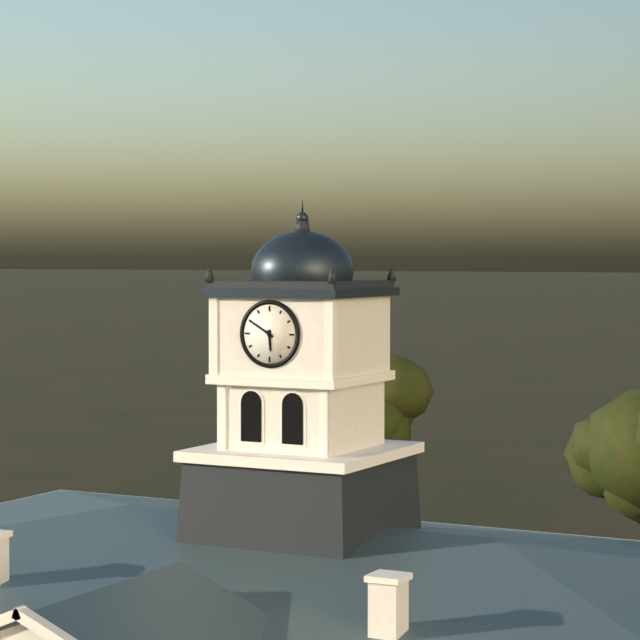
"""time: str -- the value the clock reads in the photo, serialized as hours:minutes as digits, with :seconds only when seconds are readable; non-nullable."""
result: 5:50
